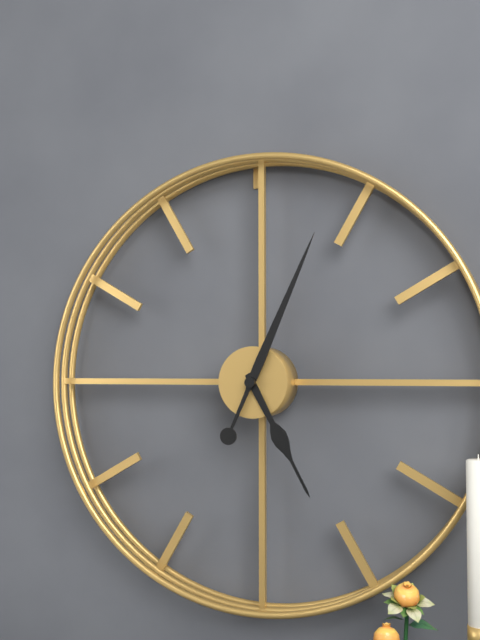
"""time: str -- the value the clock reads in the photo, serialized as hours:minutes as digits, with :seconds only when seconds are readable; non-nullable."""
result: 5:04
